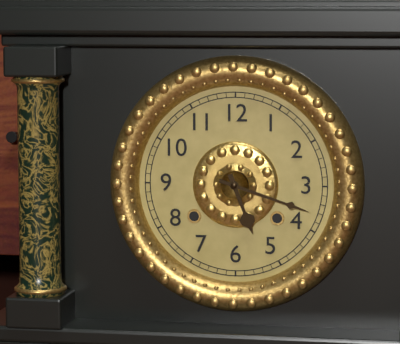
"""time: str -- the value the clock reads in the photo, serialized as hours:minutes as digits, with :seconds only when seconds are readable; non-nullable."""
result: 5:18
